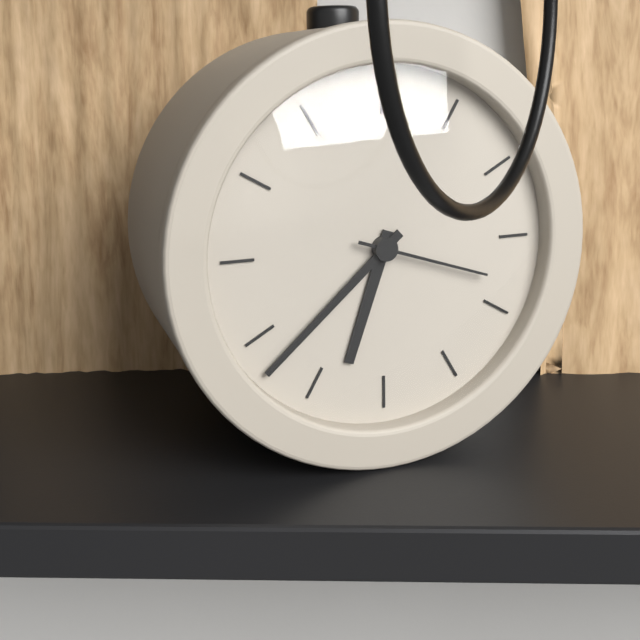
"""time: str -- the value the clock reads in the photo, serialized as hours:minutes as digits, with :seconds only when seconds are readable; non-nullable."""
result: 6:38:18
